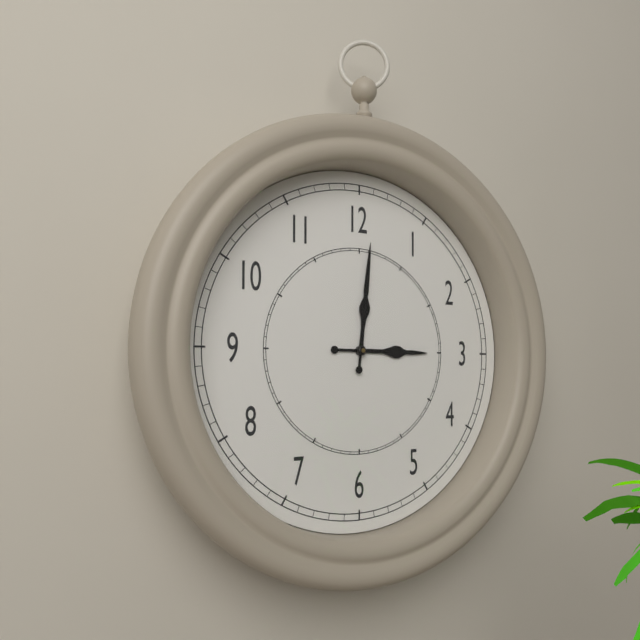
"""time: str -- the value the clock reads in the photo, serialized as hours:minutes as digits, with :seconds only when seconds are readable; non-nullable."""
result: 3:01
